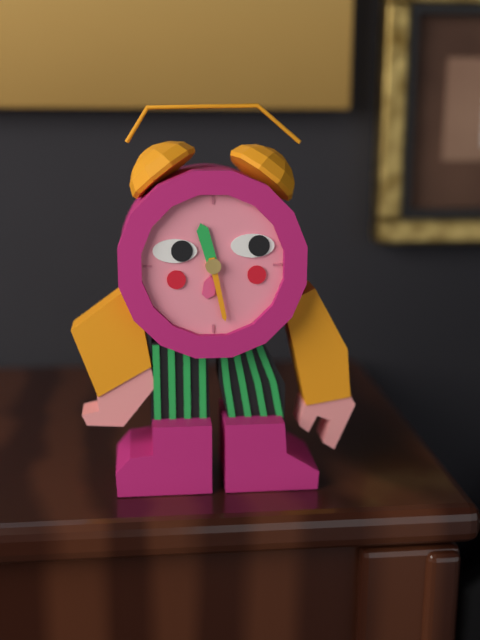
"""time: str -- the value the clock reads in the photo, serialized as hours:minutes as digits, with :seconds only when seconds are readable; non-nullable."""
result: 11:28
